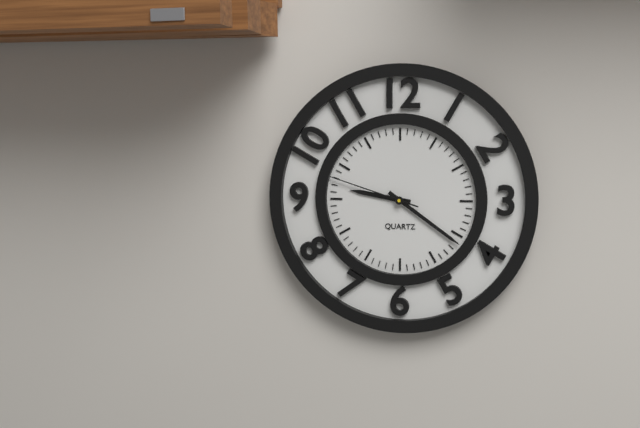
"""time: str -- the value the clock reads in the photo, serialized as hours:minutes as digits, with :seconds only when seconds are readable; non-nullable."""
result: 9:21:48
